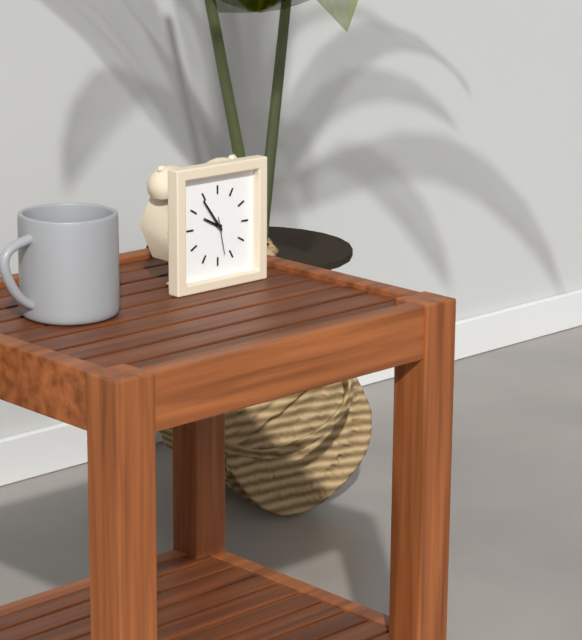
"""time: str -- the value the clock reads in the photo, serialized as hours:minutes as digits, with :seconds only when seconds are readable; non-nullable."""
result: 9:54
